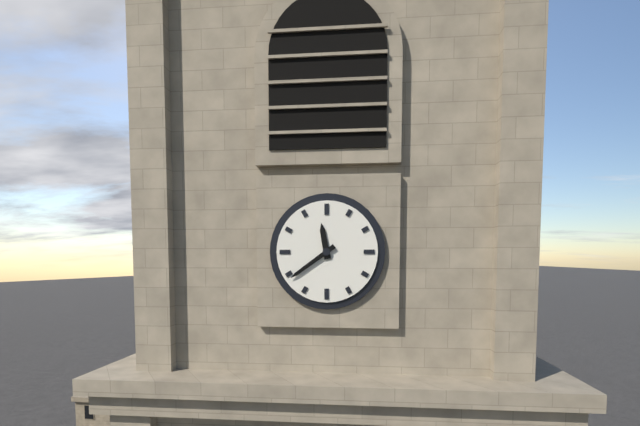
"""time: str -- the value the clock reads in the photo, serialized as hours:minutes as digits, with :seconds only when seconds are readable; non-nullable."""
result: 11:39
